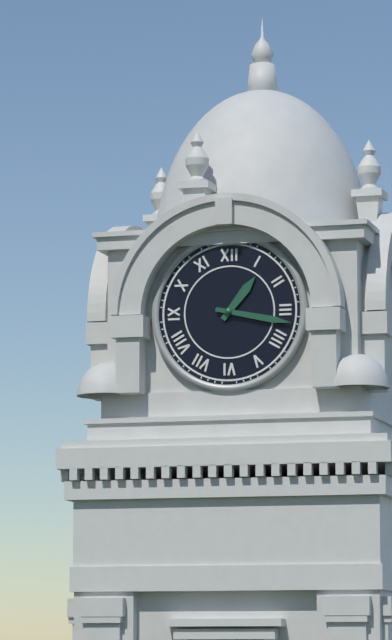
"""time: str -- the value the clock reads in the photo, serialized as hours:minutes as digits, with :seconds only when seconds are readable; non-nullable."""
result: 1:17
